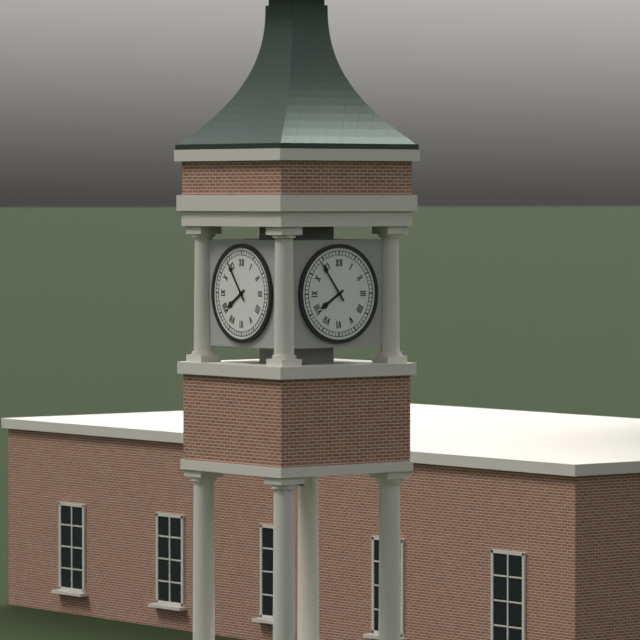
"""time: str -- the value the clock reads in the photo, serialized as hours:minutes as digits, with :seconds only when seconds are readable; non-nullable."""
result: 7:54
